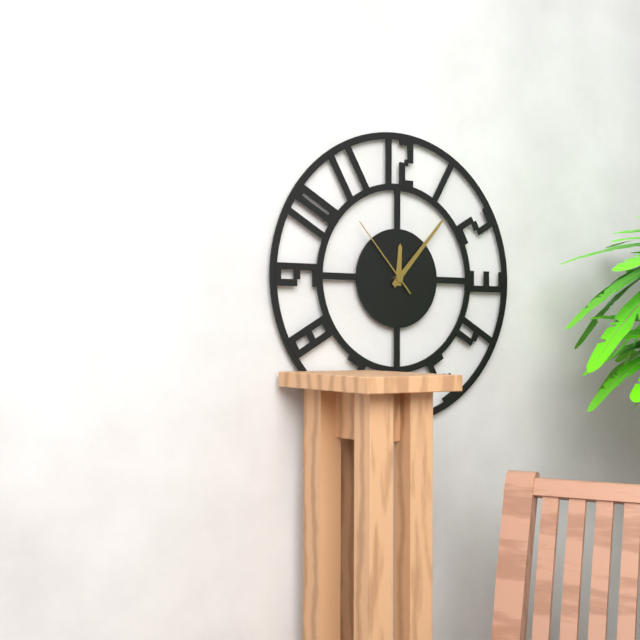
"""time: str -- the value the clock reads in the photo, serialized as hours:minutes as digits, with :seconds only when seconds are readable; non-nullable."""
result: 12:07:53
